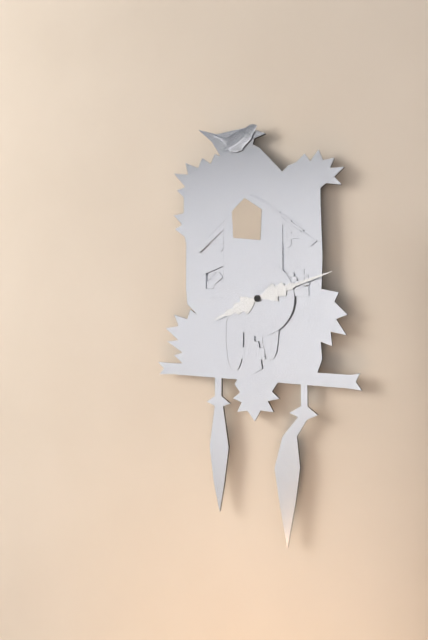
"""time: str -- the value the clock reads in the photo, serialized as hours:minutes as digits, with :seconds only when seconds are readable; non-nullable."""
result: 8:12
